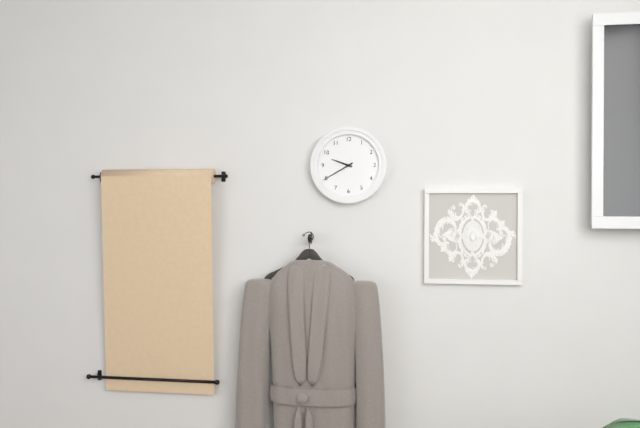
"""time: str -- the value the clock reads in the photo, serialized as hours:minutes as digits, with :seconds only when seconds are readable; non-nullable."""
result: 9:40
